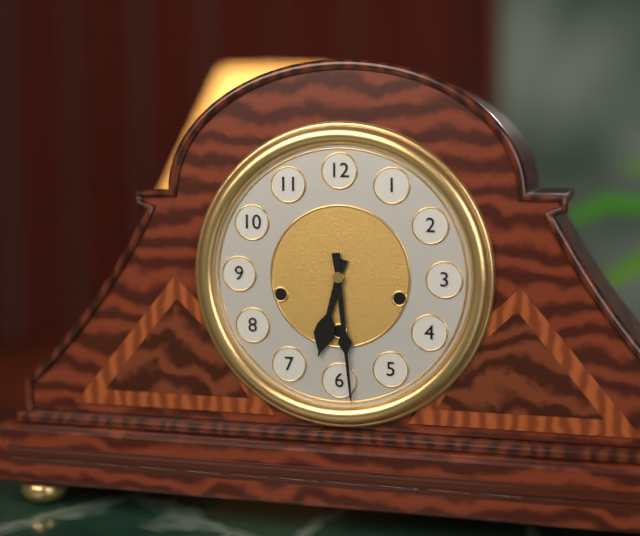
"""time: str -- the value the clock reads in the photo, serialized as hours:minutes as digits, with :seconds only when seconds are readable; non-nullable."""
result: 6:29
